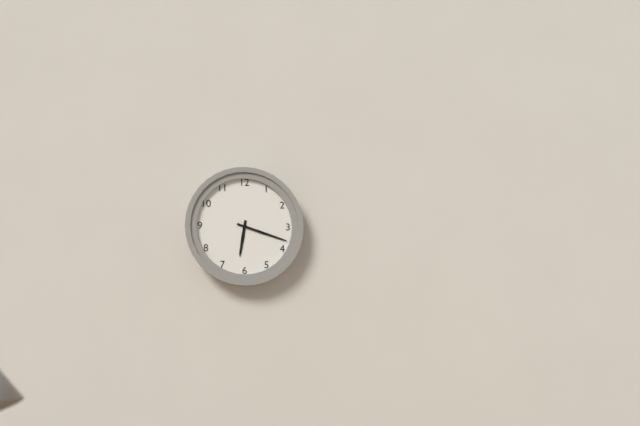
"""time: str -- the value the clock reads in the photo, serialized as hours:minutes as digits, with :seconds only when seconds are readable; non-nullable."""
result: 6:18
